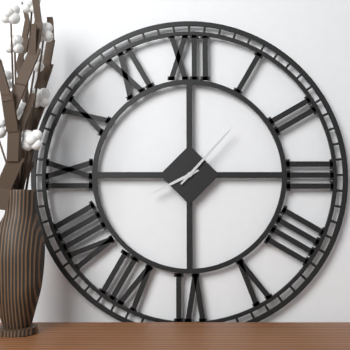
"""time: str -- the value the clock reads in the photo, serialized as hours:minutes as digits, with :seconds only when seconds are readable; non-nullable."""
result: 8:07
